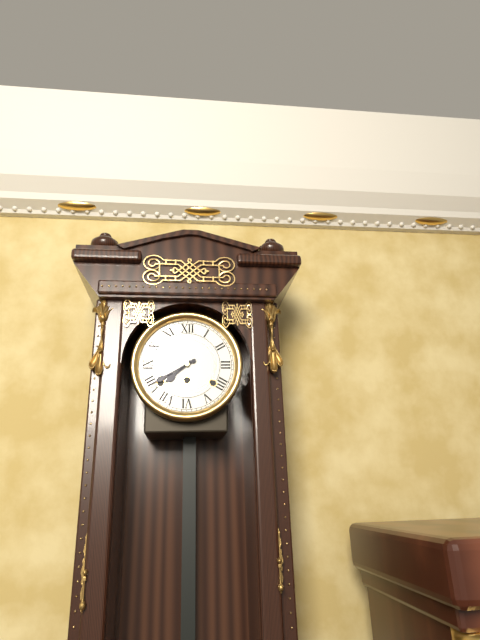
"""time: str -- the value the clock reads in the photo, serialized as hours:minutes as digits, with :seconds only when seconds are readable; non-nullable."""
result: 7:40
